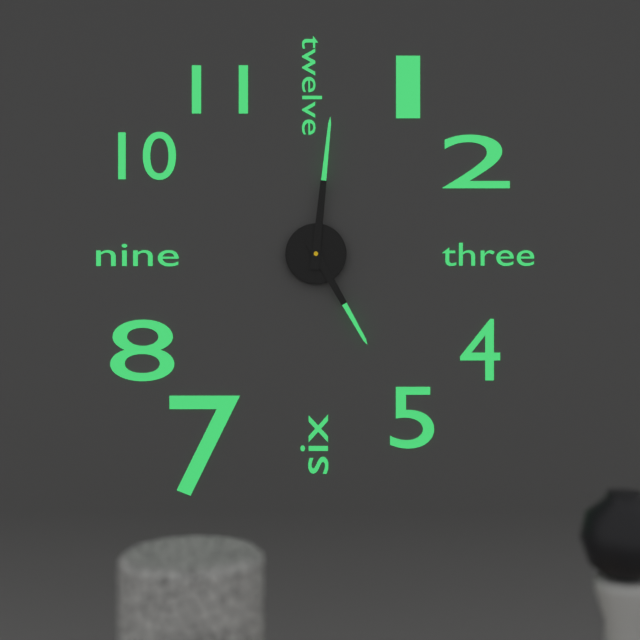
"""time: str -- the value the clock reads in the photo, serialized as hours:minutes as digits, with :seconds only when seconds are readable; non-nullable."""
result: 5:01
